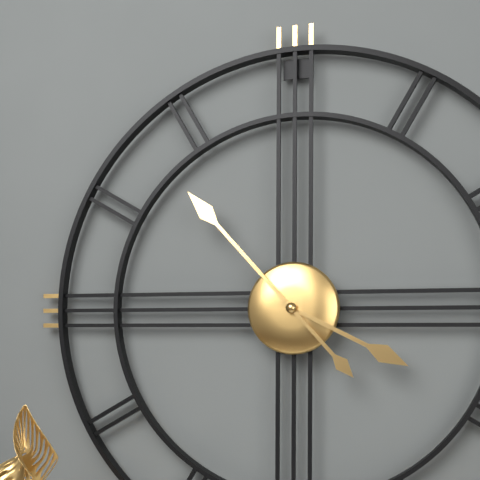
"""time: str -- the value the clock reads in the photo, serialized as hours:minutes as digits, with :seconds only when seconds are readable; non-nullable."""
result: 3:53
